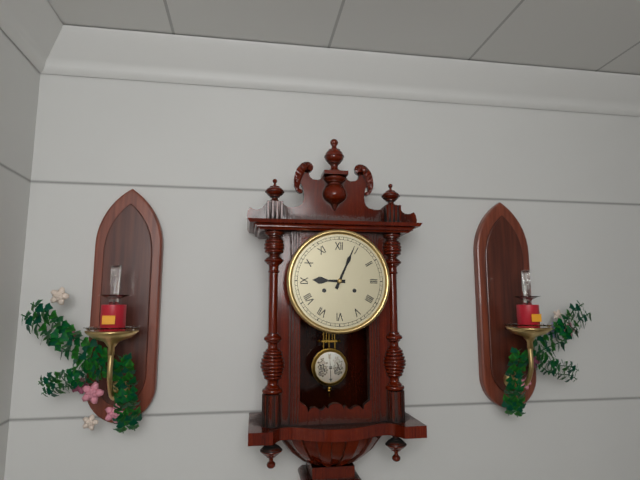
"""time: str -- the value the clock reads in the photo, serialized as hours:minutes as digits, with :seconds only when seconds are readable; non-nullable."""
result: 9:04
